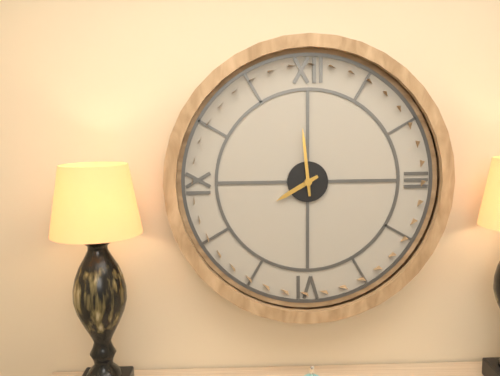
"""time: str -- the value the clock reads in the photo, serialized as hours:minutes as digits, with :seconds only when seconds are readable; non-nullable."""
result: 7:59
